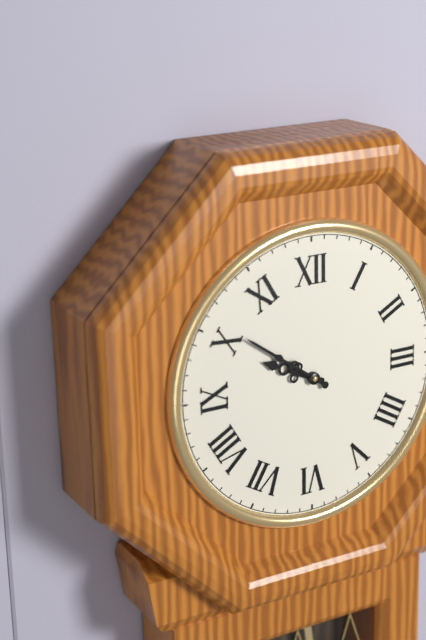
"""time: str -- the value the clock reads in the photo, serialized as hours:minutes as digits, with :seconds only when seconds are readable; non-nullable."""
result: 9:51
